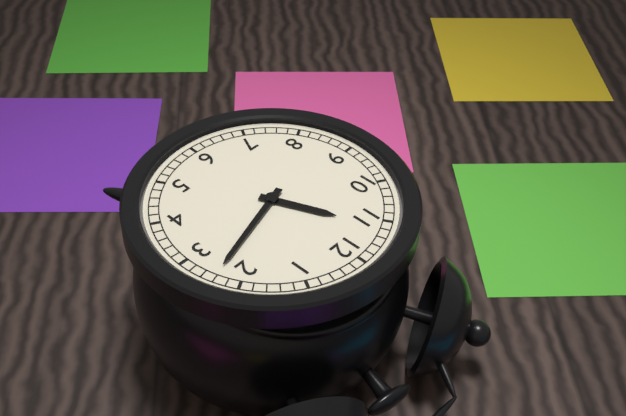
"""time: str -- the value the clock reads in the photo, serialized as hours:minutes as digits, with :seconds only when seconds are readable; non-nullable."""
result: 11:12
